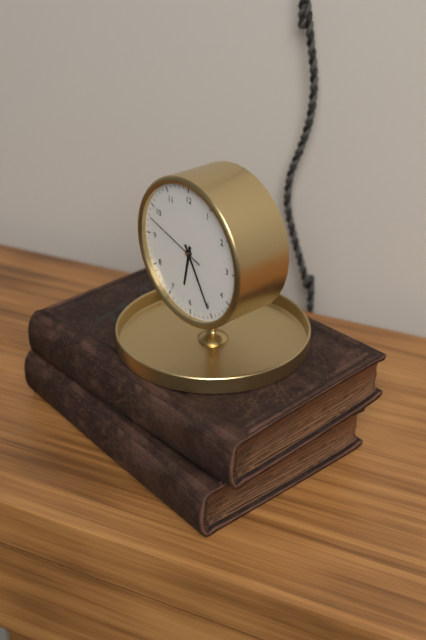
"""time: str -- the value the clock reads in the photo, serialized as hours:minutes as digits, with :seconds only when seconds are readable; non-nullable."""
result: 6:25:48
